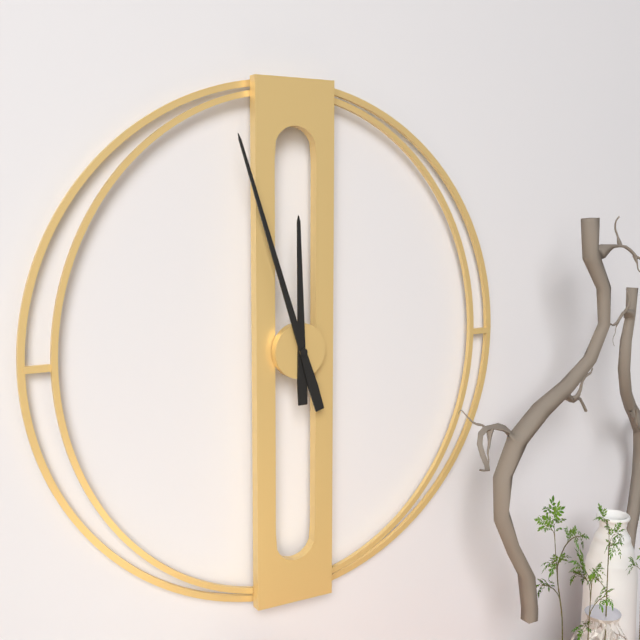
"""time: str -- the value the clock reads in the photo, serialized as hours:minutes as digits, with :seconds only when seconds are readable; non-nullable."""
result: 11:57
